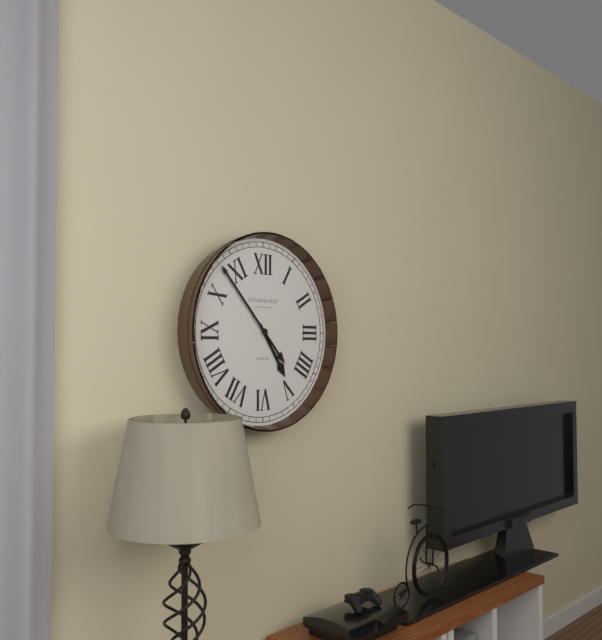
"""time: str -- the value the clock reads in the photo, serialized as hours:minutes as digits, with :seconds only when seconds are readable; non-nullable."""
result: 4:53
